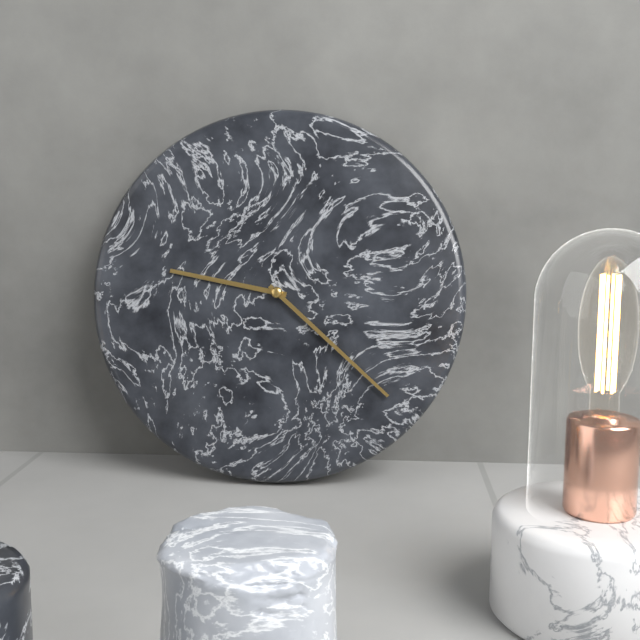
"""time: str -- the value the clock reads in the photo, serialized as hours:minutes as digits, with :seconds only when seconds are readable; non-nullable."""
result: 9:22
